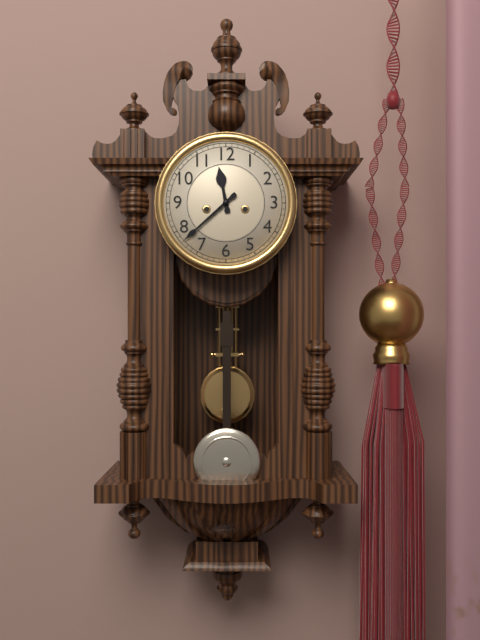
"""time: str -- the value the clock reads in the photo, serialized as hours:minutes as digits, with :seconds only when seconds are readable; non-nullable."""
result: 11:38
